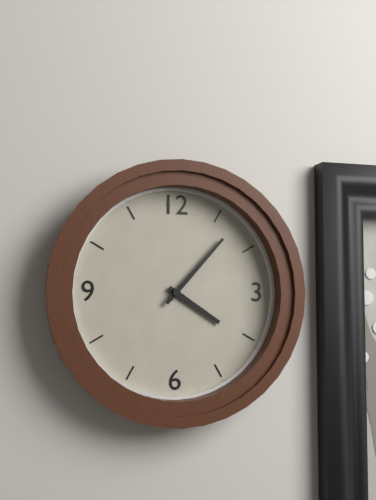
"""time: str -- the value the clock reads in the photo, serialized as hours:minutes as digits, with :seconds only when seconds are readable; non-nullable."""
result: 4:07
